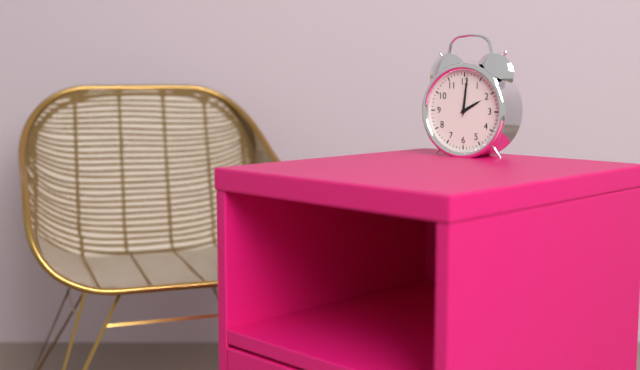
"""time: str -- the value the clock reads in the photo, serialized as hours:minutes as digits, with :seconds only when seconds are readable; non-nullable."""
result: 2:01
